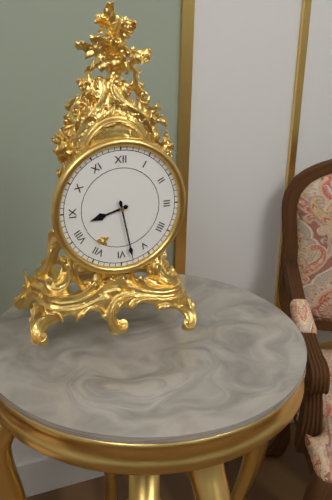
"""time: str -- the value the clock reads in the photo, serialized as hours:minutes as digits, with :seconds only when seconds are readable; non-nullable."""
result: 8:28
